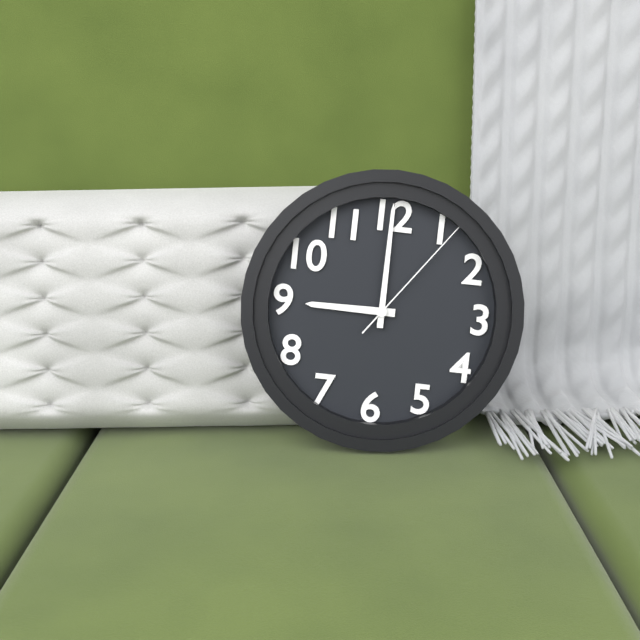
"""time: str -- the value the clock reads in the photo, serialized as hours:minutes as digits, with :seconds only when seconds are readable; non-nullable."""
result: 9:00:06
